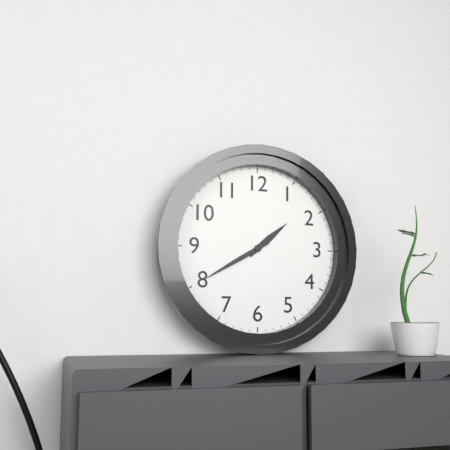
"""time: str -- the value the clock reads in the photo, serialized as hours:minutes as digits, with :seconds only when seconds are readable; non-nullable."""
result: 1:40
